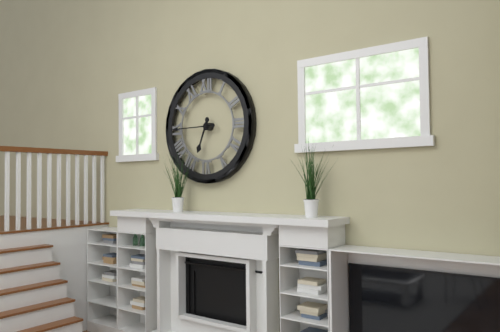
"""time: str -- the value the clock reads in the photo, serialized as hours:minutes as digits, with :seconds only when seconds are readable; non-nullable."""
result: 6:45
